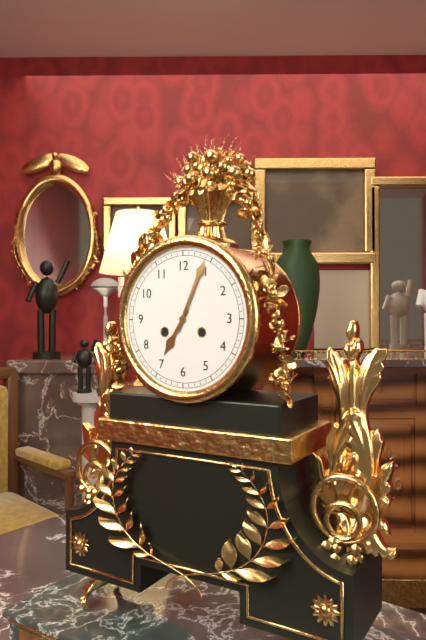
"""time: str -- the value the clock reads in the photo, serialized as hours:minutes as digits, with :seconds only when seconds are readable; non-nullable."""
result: 7:04
